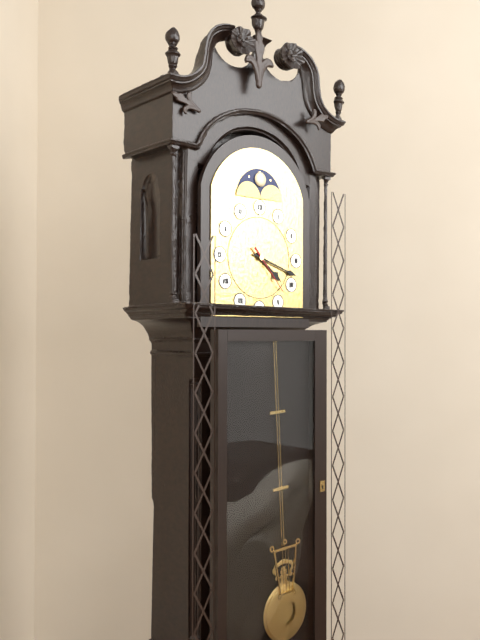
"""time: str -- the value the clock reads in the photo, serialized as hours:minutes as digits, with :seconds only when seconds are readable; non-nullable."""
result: 4:18:23
